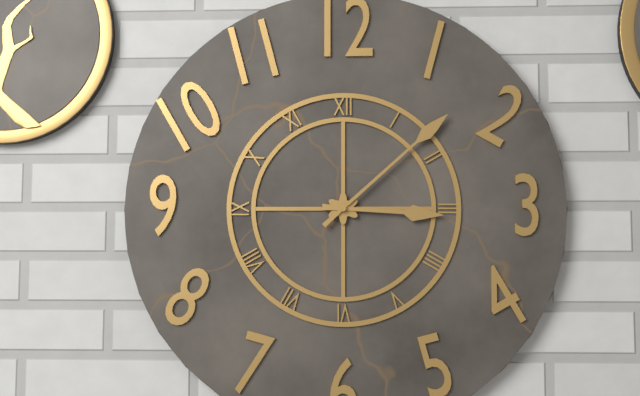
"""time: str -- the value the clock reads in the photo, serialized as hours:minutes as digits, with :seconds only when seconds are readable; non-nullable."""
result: 3:08
